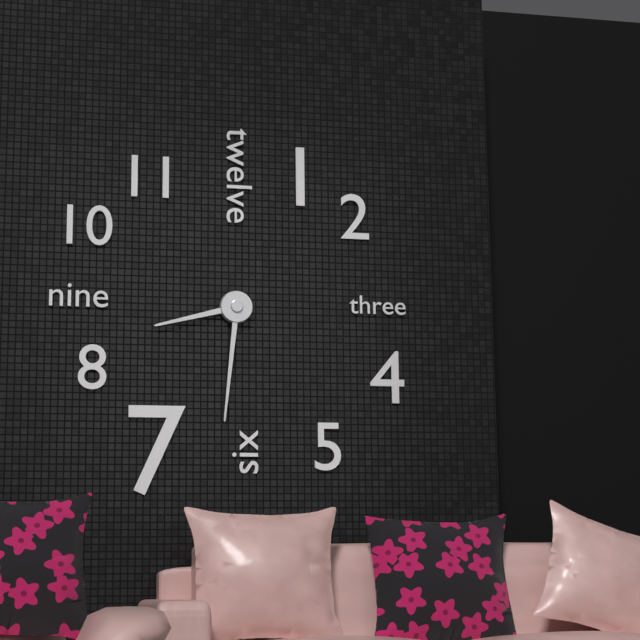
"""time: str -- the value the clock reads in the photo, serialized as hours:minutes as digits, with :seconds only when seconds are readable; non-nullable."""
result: 8:31
